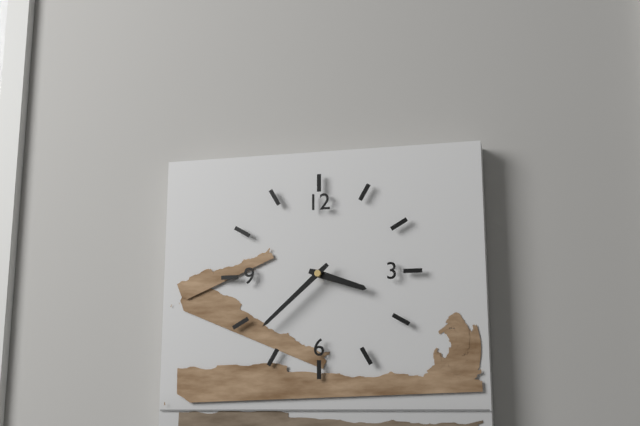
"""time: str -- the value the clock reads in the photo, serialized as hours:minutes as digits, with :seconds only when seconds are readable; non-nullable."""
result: 3:38
